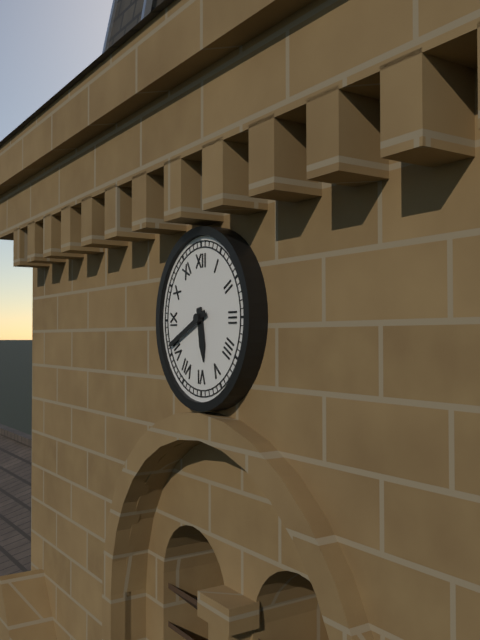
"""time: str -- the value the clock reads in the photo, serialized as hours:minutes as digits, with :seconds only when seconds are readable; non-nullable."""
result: 5:41
